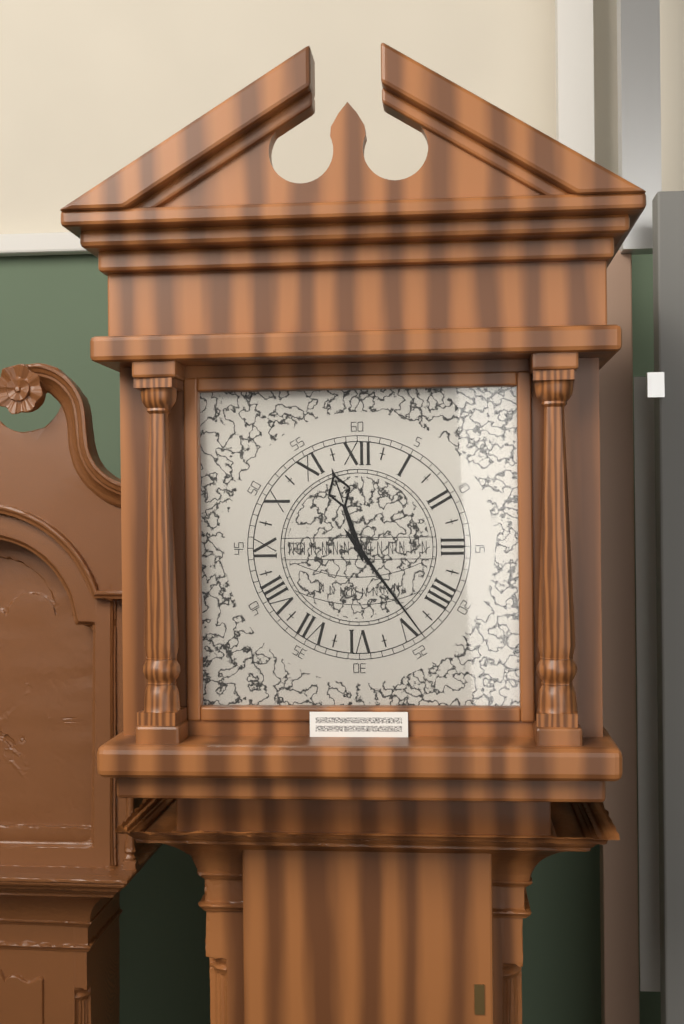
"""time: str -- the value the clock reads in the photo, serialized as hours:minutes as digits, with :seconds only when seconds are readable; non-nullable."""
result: 11:24
